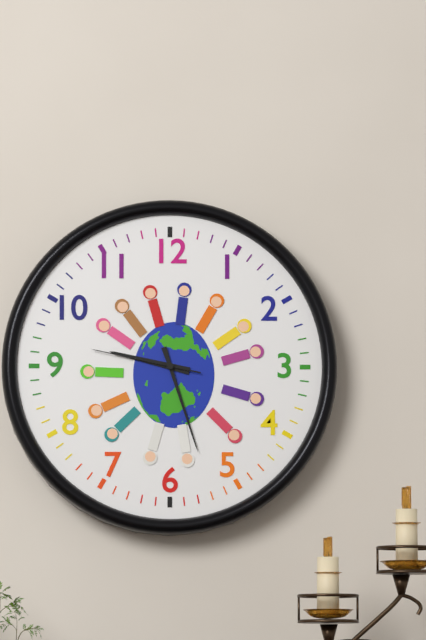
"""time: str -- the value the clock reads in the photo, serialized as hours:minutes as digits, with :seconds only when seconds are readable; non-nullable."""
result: 9:27:47
